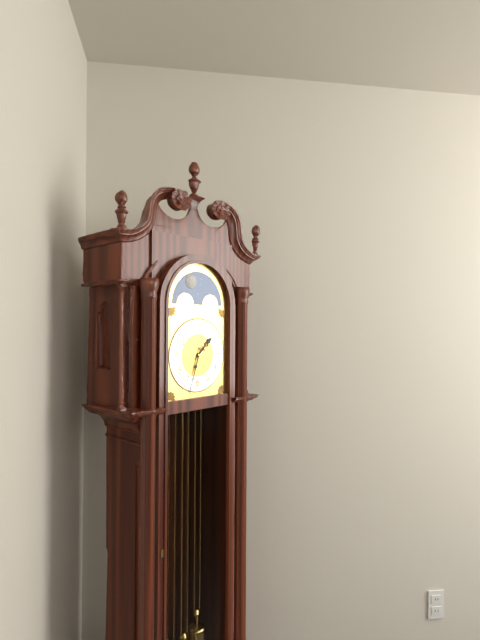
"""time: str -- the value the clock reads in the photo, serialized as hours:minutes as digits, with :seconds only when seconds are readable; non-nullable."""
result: 1:33
